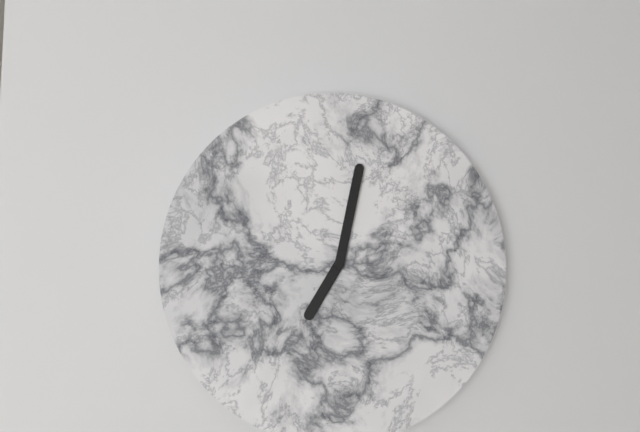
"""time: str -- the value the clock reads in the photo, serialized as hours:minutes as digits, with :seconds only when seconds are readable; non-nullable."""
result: 7:02
